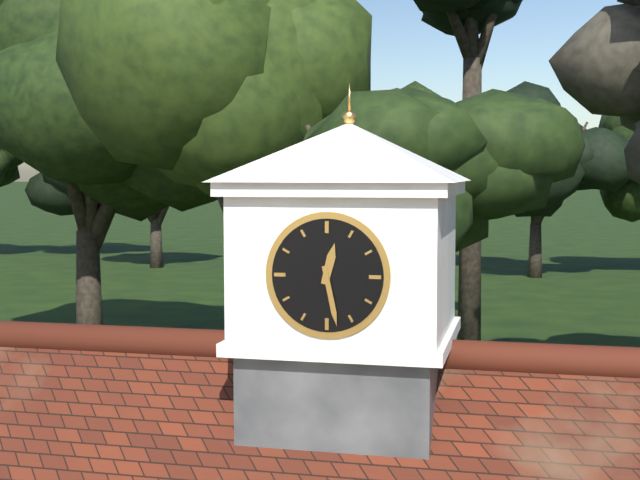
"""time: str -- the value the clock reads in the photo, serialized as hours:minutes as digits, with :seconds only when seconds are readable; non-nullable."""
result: 12:28
